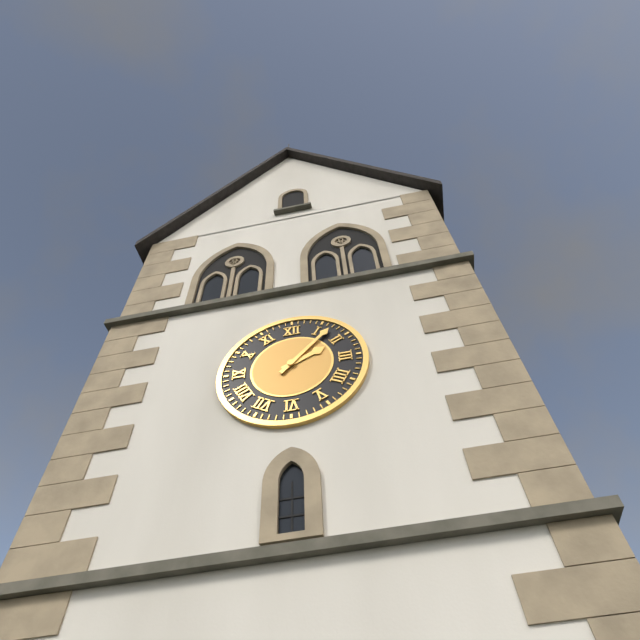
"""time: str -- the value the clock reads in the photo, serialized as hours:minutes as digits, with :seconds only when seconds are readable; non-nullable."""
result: 2:07
